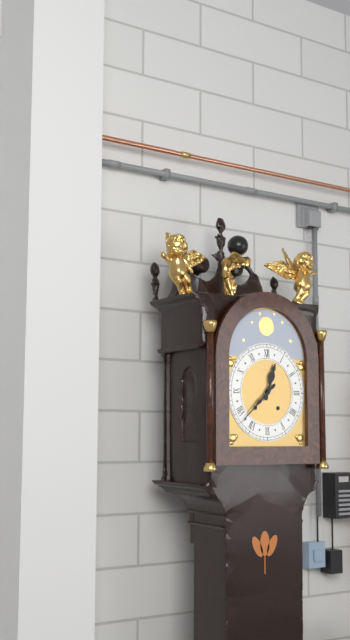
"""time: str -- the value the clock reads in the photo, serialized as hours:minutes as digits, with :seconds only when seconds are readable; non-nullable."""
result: 12:38
